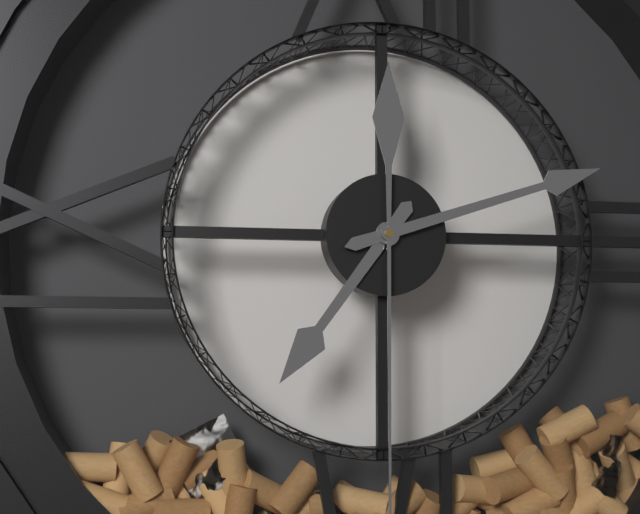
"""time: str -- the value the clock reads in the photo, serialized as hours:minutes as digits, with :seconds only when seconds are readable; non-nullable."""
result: 7:12
